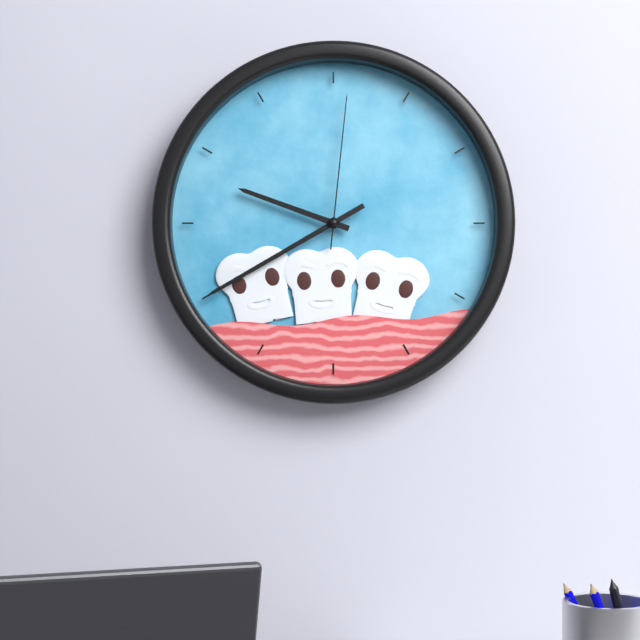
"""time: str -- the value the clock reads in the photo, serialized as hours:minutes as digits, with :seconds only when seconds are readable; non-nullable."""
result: 9:40:01
